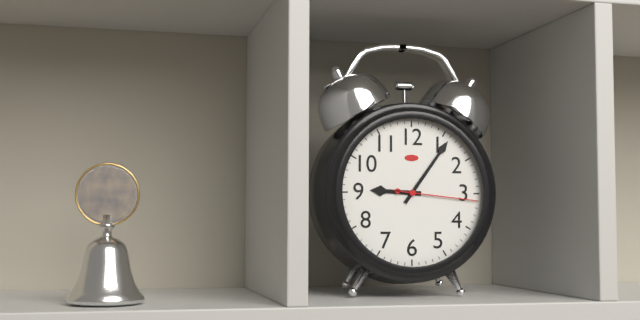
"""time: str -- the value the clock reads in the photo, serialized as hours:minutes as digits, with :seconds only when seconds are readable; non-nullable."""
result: 9:06:16
